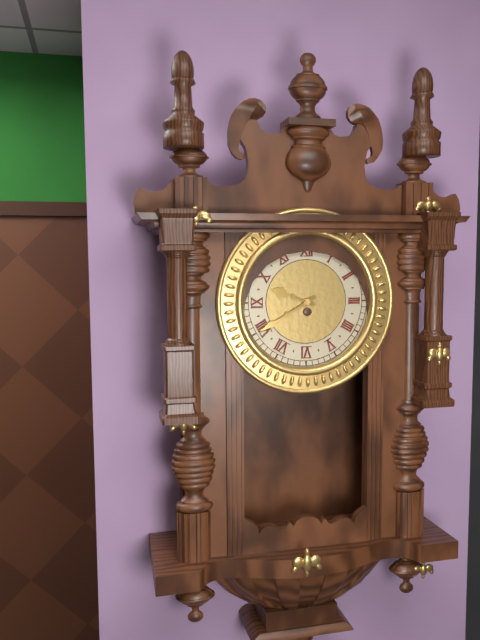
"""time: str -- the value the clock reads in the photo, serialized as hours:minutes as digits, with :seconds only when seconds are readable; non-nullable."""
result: 9:40
